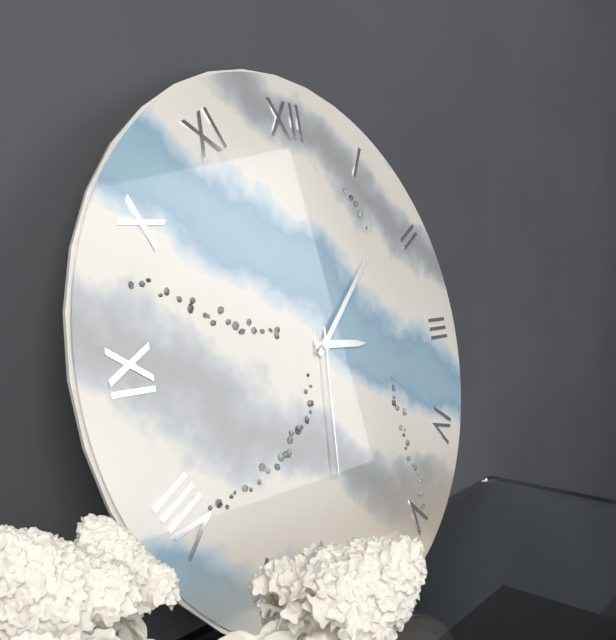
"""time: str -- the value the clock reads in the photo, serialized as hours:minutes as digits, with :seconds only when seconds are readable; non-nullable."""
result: 3:08:31
